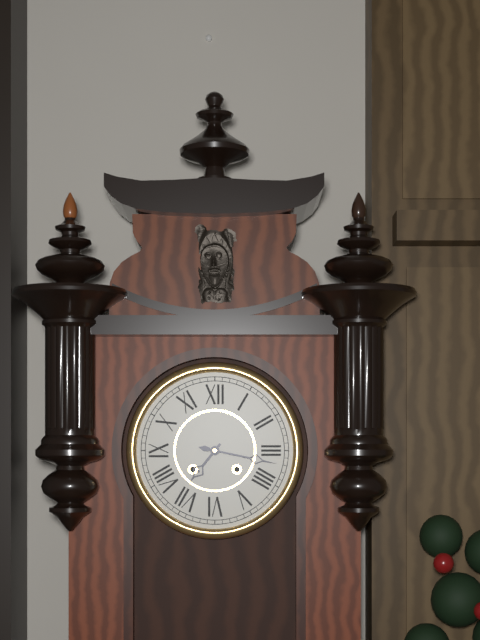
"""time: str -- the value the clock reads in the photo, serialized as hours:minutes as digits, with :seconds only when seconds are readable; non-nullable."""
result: 7:17
